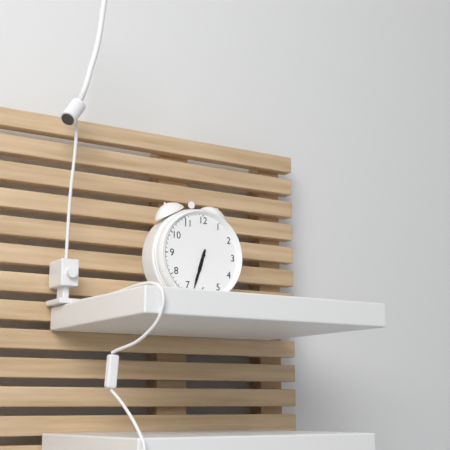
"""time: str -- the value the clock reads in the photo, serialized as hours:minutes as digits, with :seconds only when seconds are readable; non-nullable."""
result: 6:33
